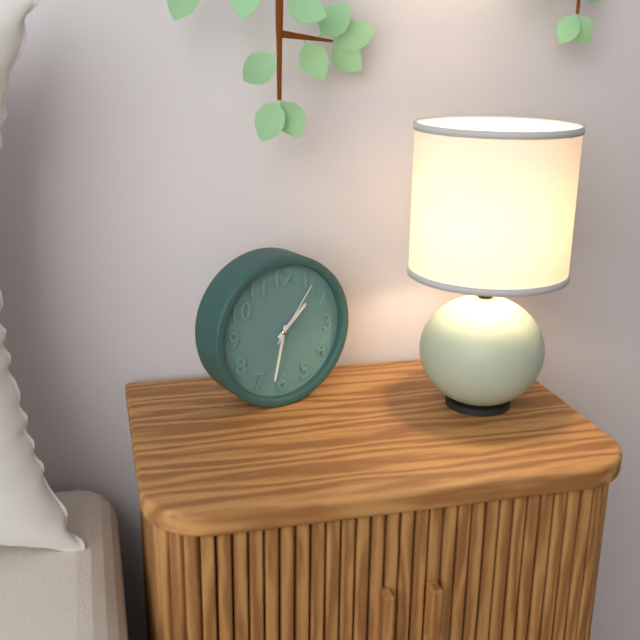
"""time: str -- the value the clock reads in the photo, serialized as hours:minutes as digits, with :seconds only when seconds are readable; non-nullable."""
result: 1:32:06
